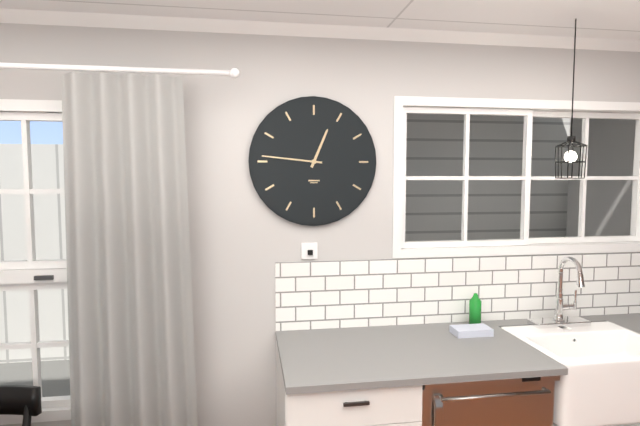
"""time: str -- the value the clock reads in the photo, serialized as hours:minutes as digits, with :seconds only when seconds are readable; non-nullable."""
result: 12:46
